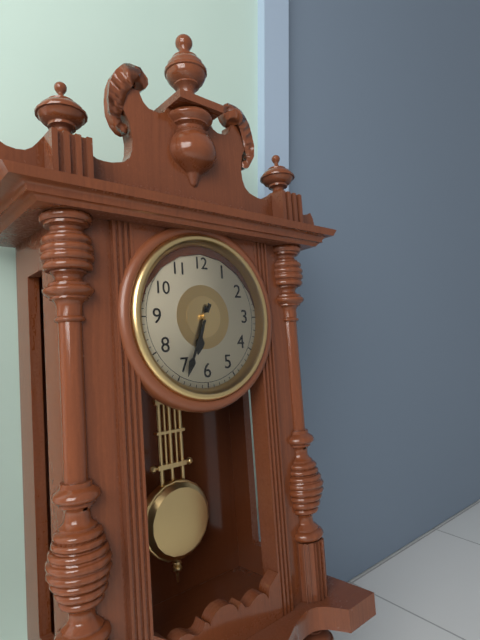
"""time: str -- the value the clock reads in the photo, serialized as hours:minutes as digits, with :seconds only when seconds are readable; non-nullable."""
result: 6:34
